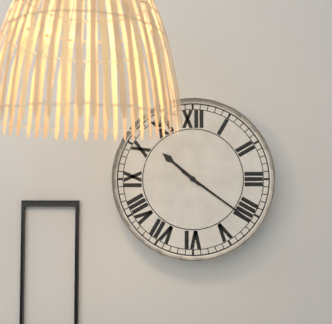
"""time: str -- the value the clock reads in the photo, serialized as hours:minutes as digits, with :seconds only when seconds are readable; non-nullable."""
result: 10:21
